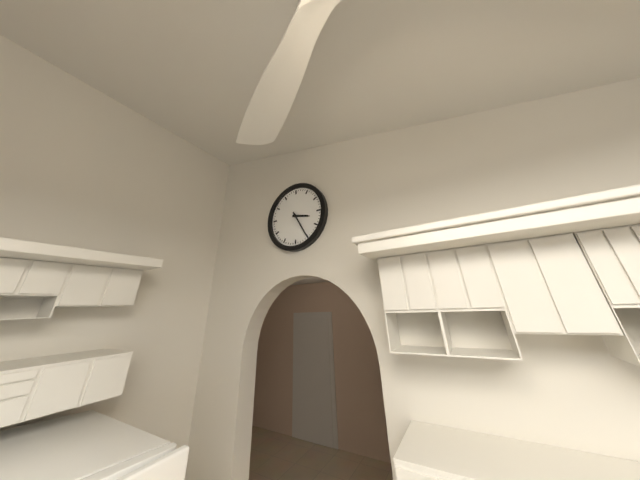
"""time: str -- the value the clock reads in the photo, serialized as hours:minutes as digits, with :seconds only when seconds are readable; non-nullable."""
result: 3:25
